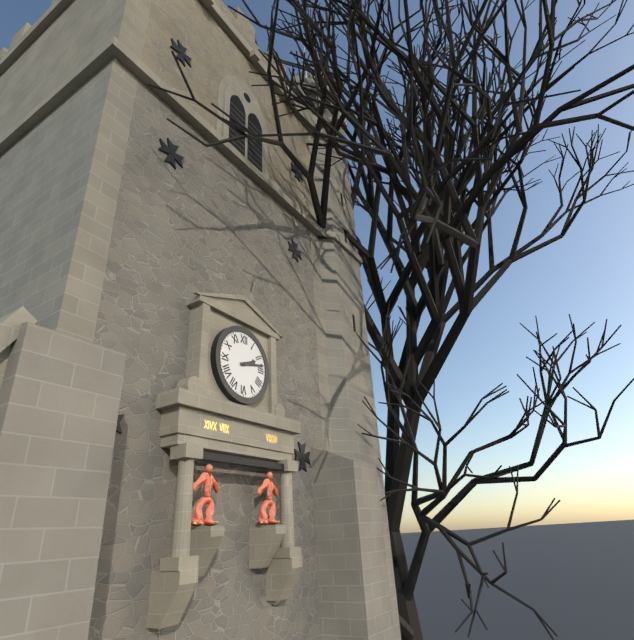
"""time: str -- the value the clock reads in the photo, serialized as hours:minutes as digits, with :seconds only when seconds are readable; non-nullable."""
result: 2:13
